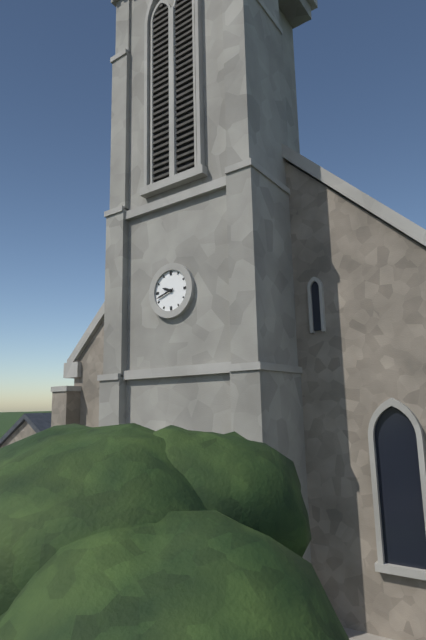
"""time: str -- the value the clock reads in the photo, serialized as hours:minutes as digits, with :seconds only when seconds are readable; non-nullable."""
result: 9:42
